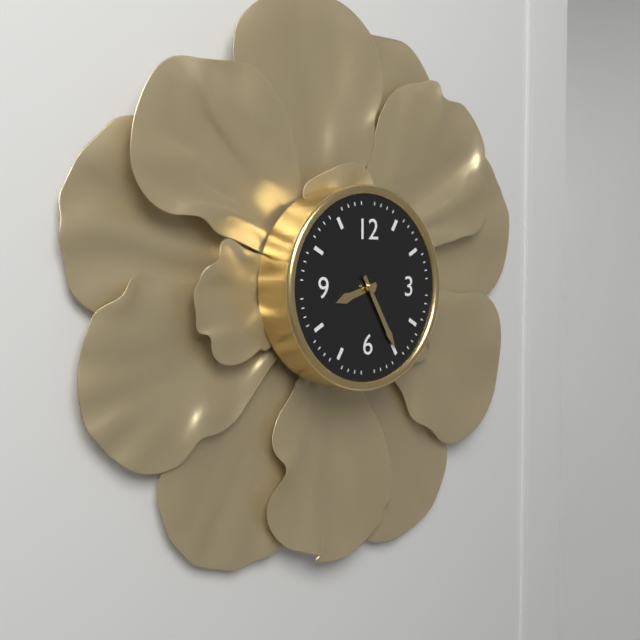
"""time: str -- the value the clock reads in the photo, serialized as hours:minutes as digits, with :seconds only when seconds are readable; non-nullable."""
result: 8:25
